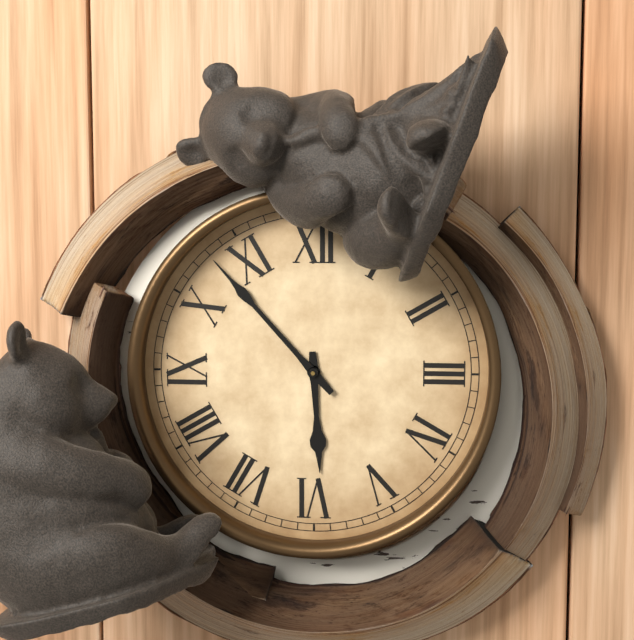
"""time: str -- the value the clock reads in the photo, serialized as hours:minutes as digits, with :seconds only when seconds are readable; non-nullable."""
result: 5:53
